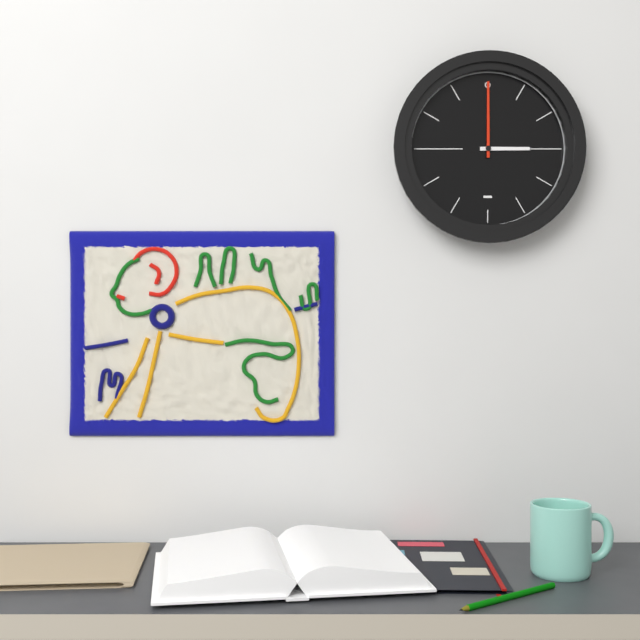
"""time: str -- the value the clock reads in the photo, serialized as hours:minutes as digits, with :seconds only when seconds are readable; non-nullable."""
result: 3:00
